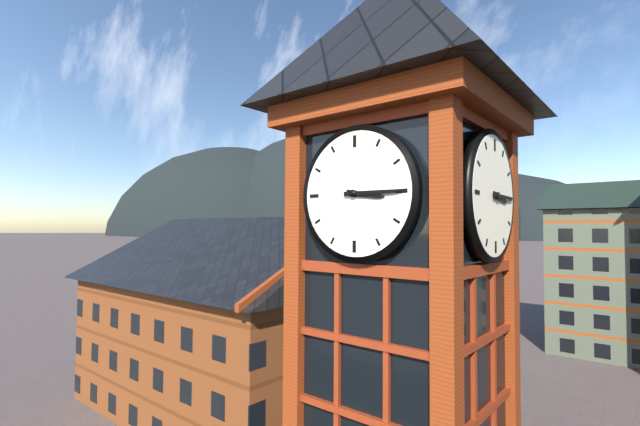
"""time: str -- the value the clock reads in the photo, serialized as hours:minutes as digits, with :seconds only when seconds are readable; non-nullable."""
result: 3:15
